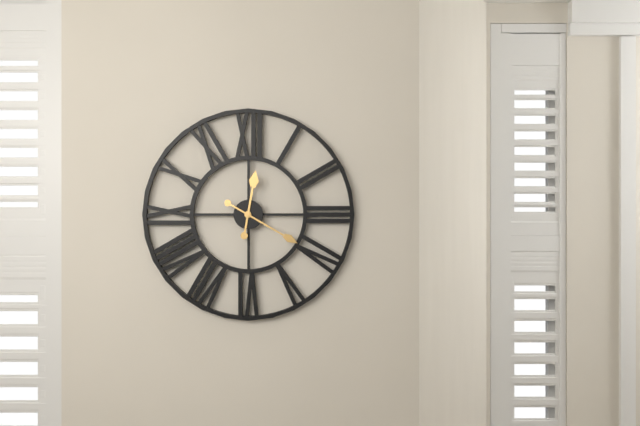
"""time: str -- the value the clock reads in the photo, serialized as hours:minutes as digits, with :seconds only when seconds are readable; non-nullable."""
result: 12:20
